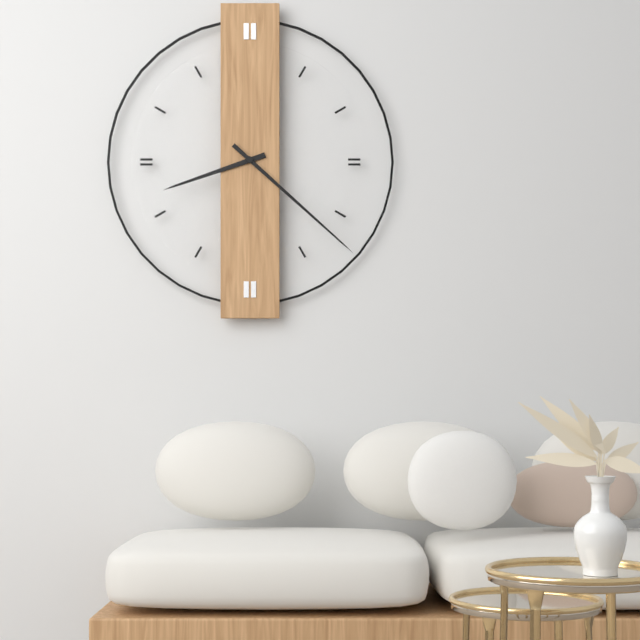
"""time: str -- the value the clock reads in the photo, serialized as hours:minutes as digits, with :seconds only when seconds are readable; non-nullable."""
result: 8:22
